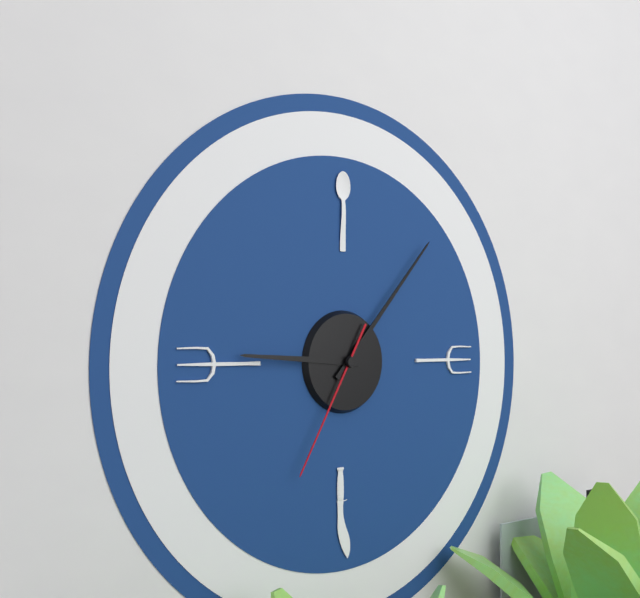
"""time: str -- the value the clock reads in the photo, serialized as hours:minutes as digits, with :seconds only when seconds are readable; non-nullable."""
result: 9:07:35
